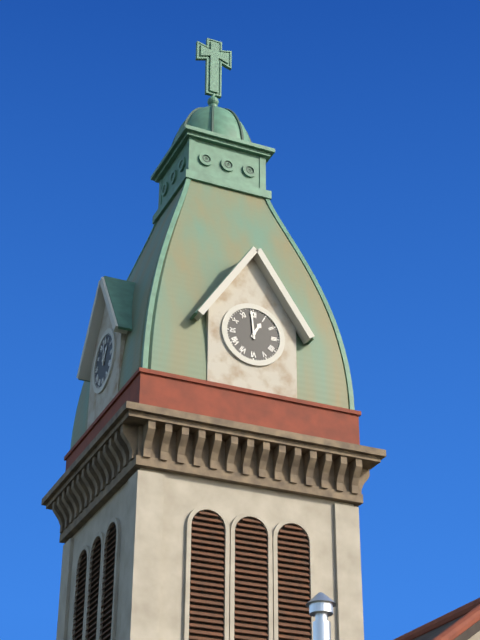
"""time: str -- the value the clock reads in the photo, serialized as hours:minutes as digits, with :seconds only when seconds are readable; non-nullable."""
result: 12:59
